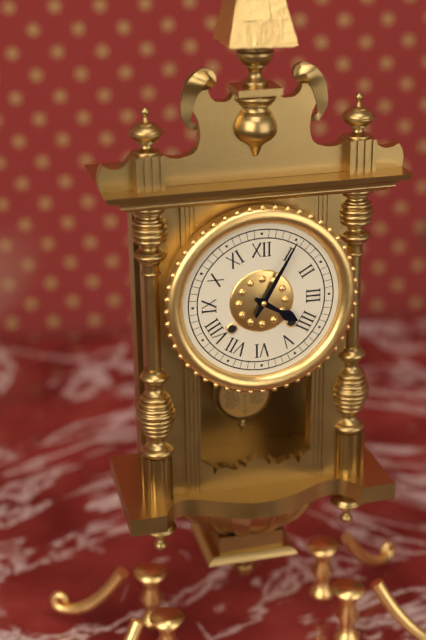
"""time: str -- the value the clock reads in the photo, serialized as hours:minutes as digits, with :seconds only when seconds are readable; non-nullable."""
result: 4:05
